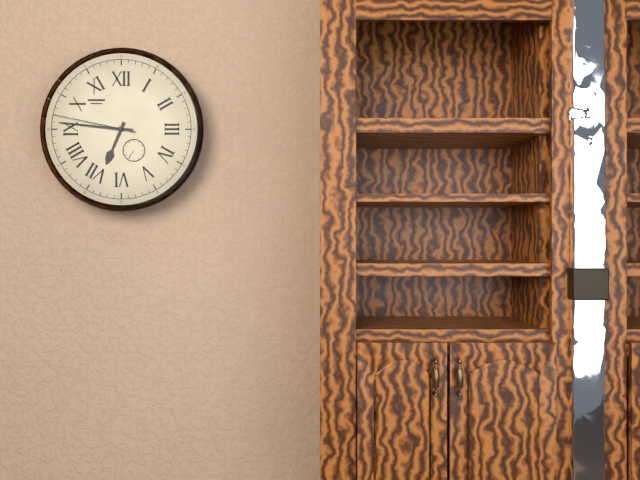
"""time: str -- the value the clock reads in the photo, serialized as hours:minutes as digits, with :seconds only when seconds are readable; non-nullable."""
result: 6:46:47
